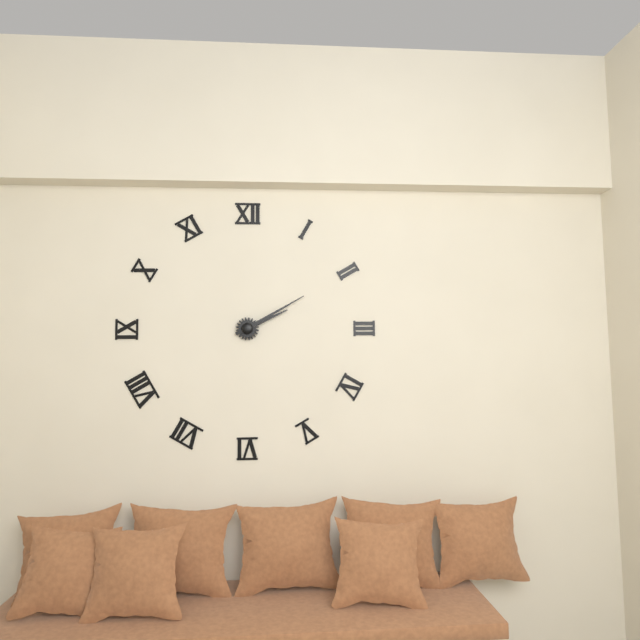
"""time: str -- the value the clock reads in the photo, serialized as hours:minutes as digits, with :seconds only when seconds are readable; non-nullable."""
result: 2:10
